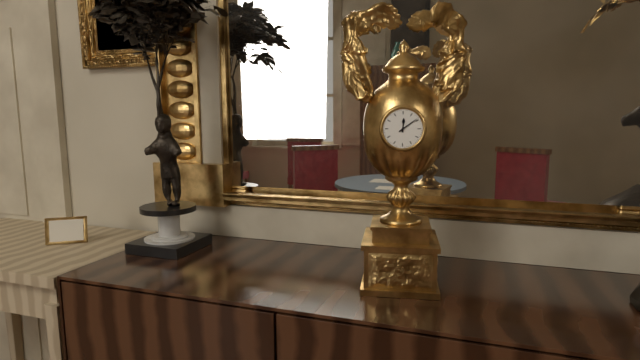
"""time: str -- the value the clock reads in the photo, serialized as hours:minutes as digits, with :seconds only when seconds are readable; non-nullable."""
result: 12:09
